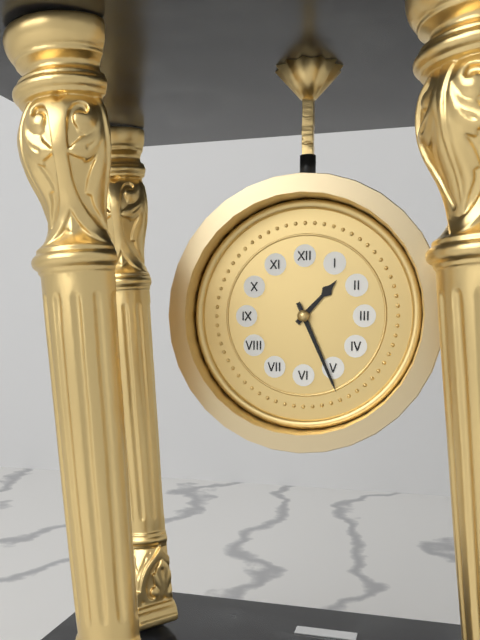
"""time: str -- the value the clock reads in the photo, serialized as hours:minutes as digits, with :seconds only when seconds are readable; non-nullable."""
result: 1:26
